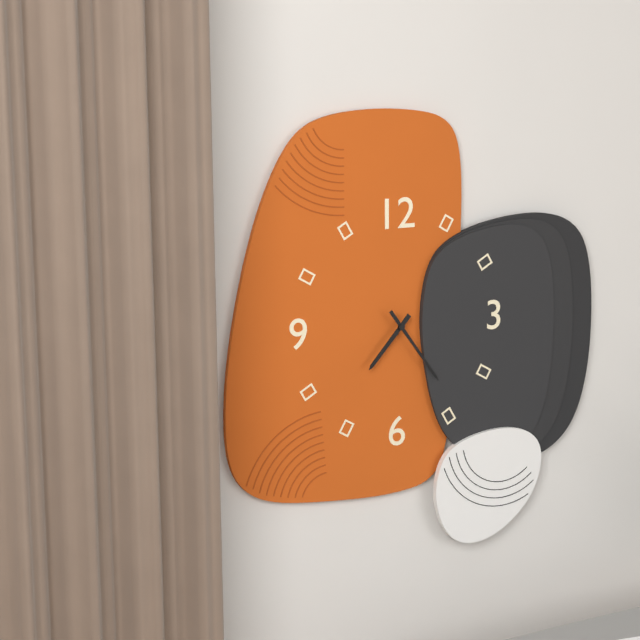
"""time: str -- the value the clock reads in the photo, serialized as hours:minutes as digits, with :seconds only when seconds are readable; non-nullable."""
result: 7:24
